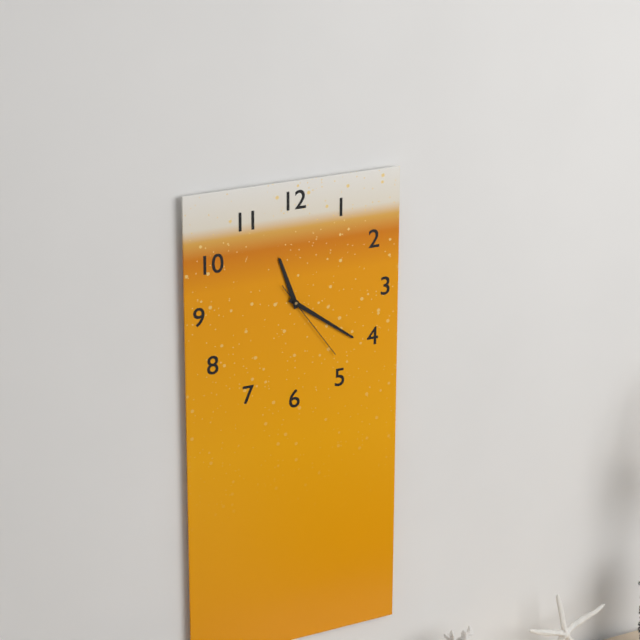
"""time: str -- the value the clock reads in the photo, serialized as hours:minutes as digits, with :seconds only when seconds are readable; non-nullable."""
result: 11:21:24
